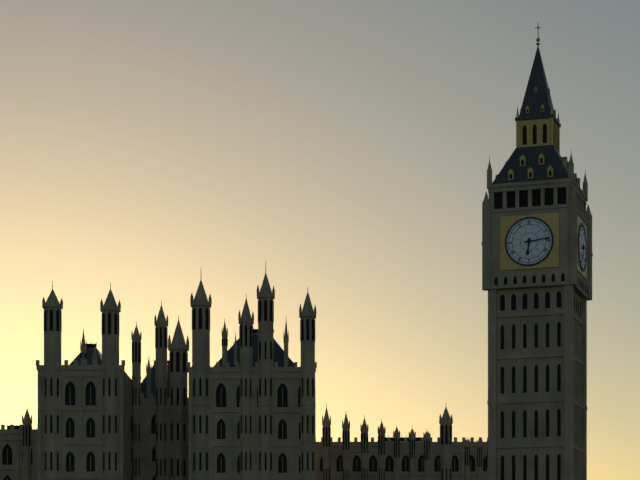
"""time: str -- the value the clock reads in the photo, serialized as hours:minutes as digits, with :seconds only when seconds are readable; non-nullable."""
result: 6:14
